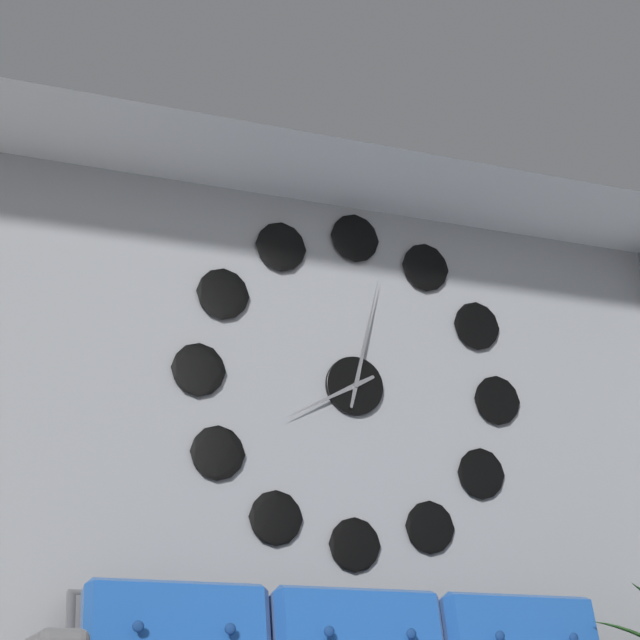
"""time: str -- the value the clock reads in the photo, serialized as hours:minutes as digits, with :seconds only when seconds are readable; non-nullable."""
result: 8:02
